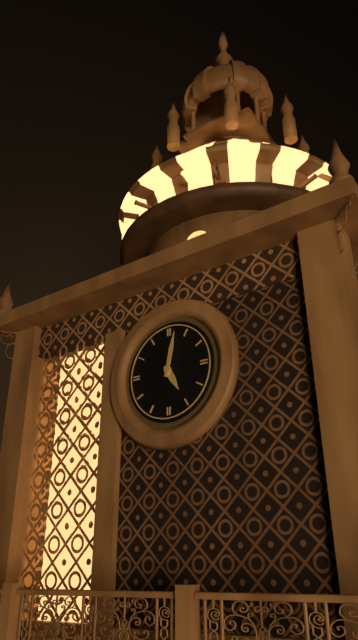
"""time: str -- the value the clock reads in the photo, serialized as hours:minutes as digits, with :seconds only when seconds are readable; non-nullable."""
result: 5:02
